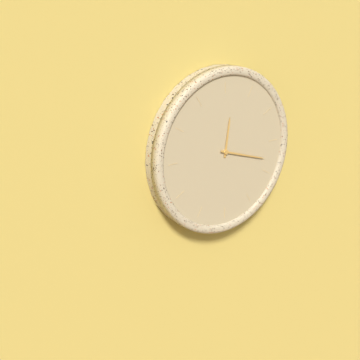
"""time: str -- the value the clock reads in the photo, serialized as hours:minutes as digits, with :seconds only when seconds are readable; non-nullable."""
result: 12:18
